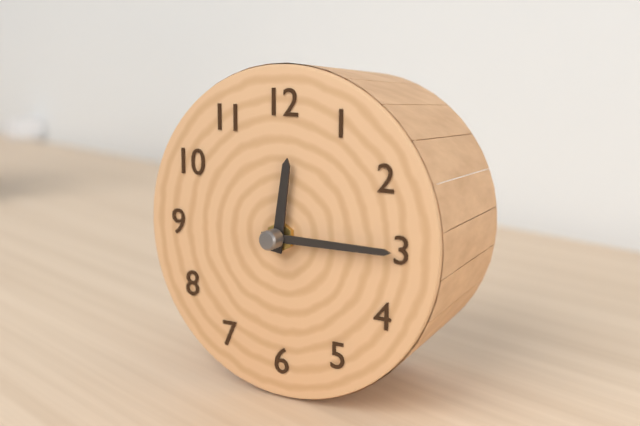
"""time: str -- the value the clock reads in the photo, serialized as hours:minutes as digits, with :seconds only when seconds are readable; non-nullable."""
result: 12:15
